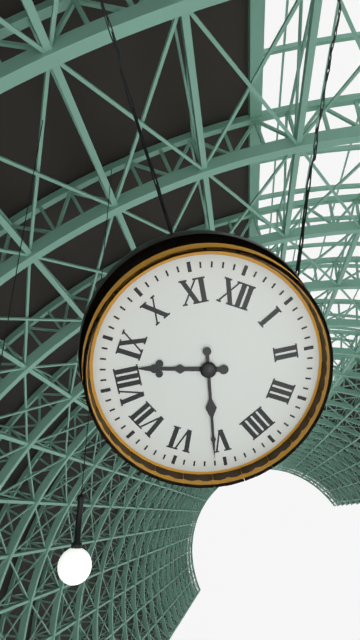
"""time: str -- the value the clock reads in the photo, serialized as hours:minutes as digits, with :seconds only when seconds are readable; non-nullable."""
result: 8:26
